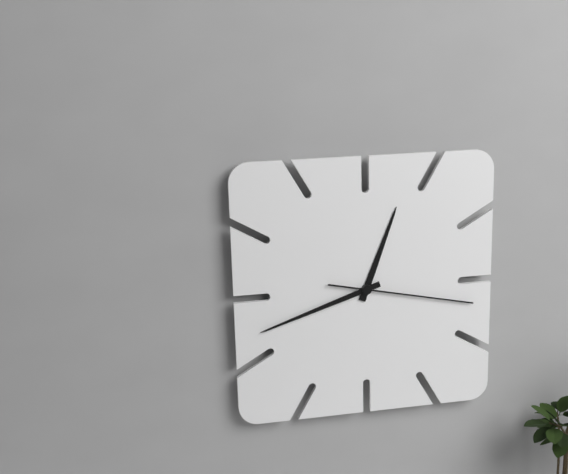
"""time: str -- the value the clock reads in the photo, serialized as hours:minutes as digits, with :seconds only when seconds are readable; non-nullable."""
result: 12:42:17
